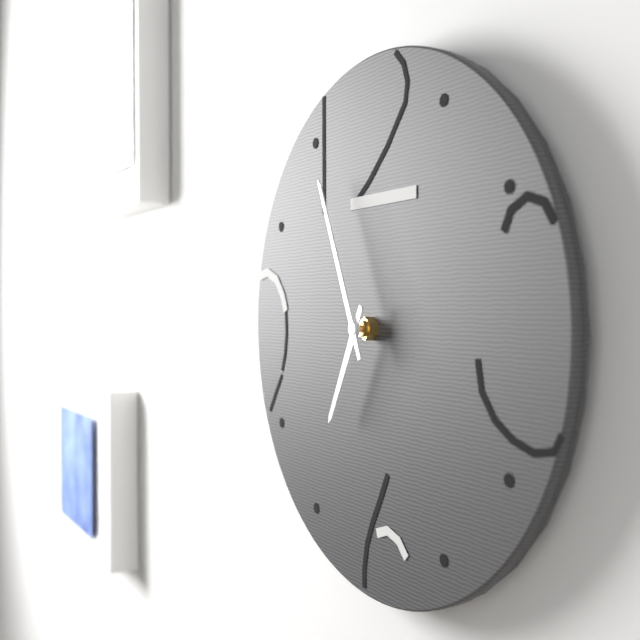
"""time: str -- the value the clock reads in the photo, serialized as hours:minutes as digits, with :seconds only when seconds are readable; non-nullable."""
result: 6:56
